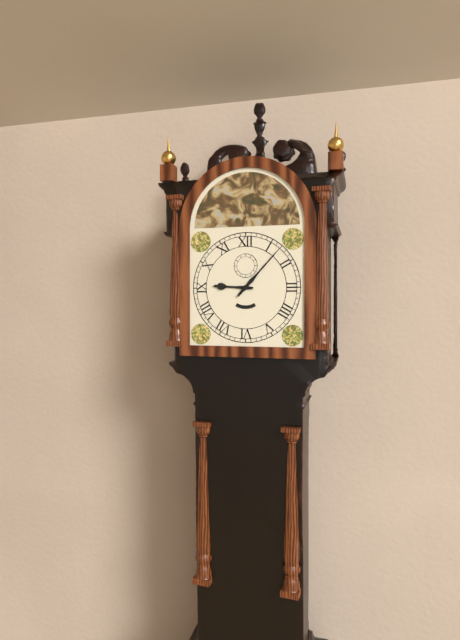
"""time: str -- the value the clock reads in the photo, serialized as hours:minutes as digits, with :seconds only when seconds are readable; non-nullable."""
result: 9:07
